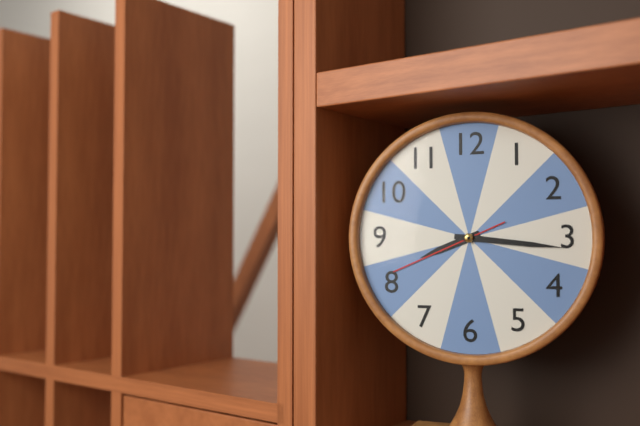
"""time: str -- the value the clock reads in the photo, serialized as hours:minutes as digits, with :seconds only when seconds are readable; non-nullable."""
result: 8:16:41
